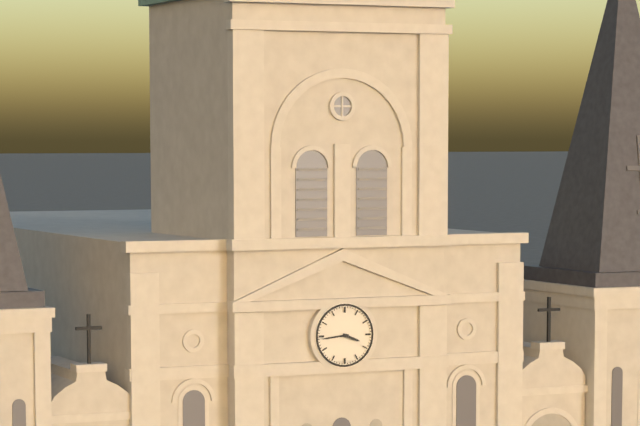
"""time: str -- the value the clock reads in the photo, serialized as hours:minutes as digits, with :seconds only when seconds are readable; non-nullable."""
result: 3:44
